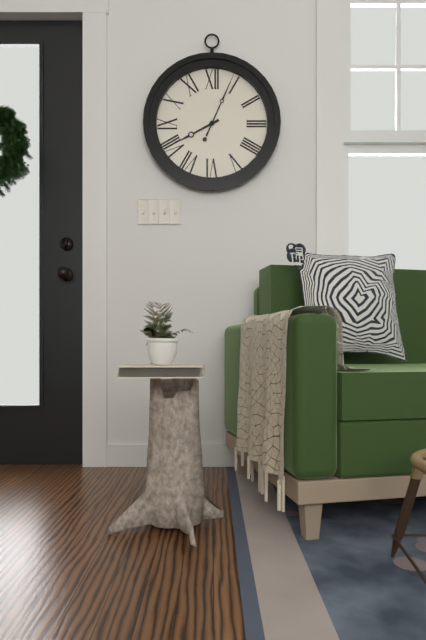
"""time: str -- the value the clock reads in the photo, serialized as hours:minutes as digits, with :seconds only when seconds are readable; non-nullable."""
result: 8:04
